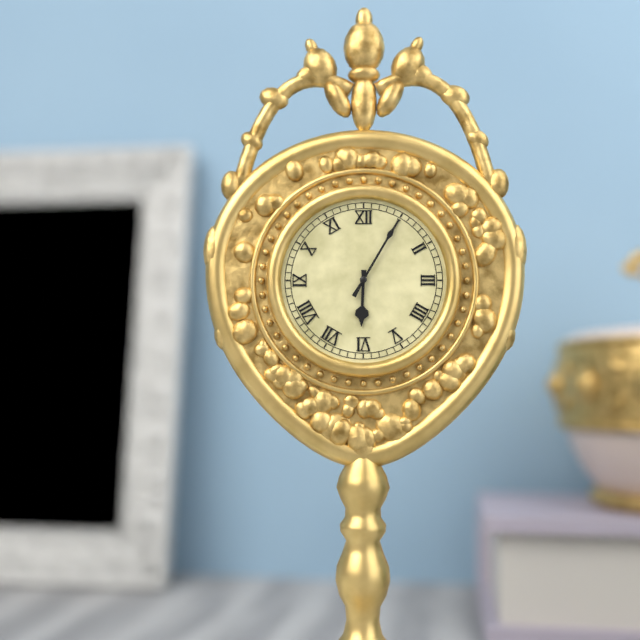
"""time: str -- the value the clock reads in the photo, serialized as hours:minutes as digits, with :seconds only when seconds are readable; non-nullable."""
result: 6:05
